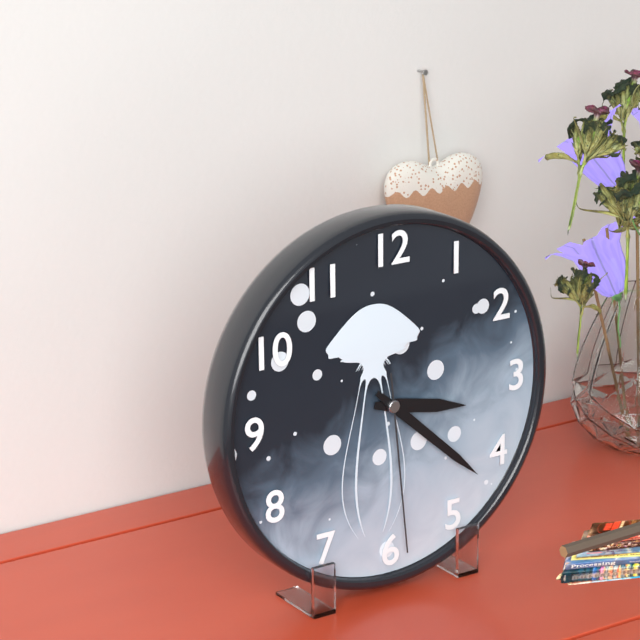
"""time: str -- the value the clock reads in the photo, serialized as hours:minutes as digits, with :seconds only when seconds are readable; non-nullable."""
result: 3:22:29
